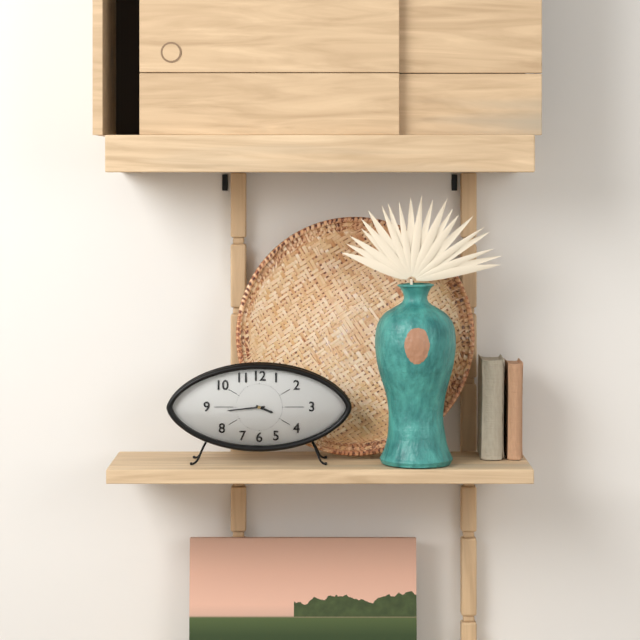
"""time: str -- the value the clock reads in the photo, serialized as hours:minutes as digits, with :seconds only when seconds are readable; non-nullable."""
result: 3:44
